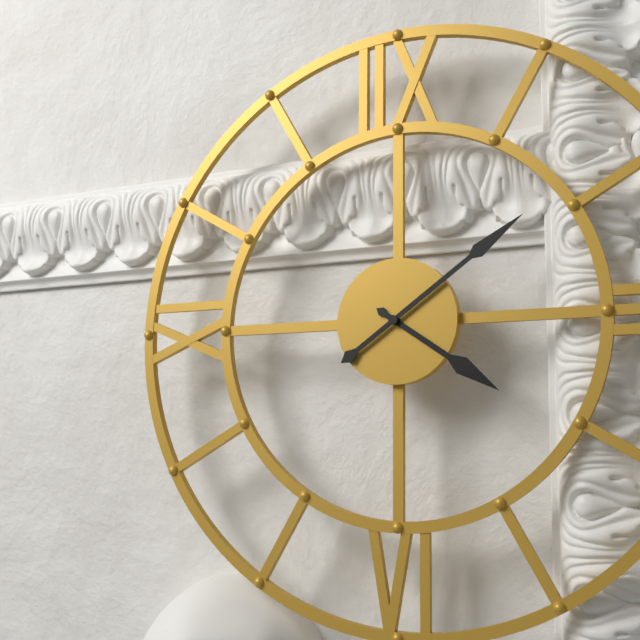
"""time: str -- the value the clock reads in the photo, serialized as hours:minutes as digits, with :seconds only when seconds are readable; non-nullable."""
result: 4:09
